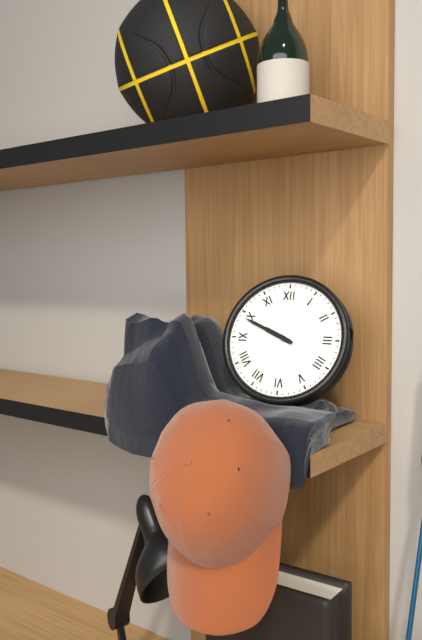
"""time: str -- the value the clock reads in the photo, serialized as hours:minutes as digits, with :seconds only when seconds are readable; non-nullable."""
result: 9:49
